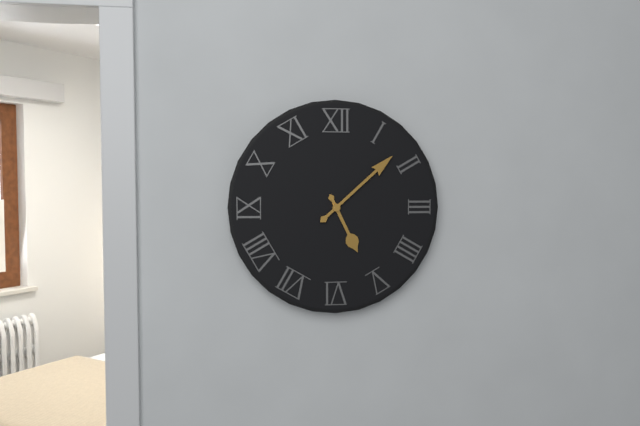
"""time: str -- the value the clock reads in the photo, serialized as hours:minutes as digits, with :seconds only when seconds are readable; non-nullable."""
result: 5:08
